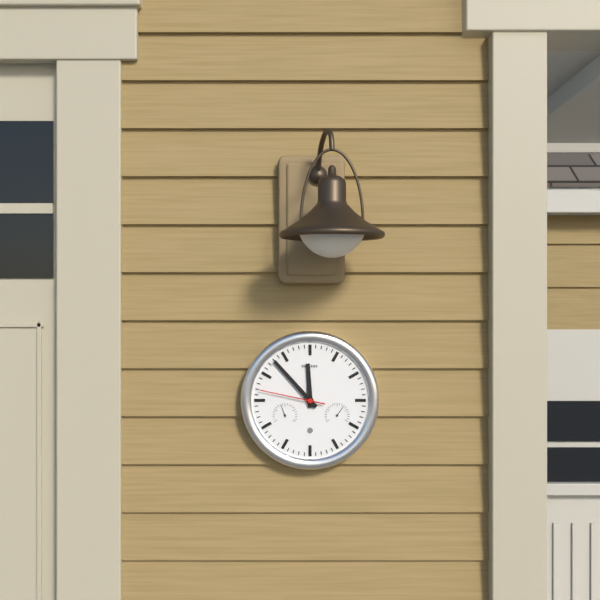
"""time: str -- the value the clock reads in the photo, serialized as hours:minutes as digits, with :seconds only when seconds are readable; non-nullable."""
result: 11:53:47
